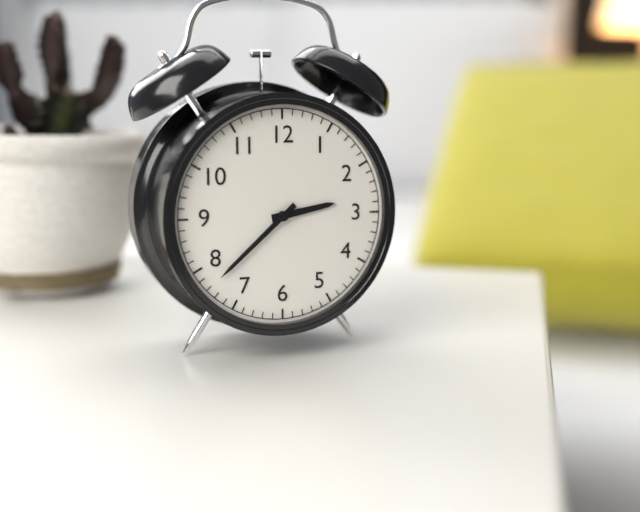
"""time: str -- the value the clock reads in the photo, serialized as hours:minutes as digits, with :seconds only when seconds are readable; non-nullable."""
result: 2:38
